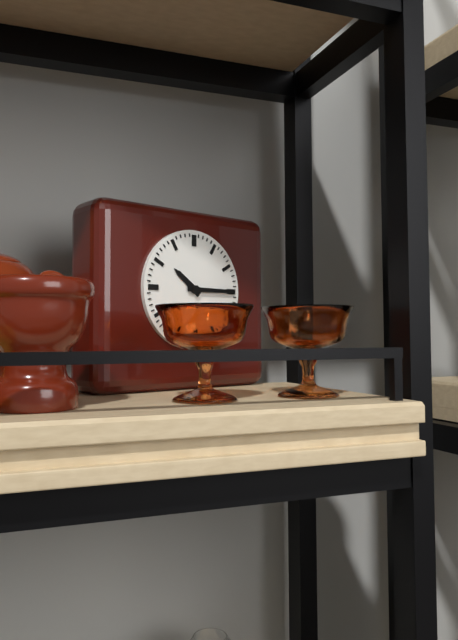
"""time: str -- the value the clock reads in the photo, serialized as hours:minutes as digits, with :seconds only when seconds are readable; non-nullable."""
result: 10:15
